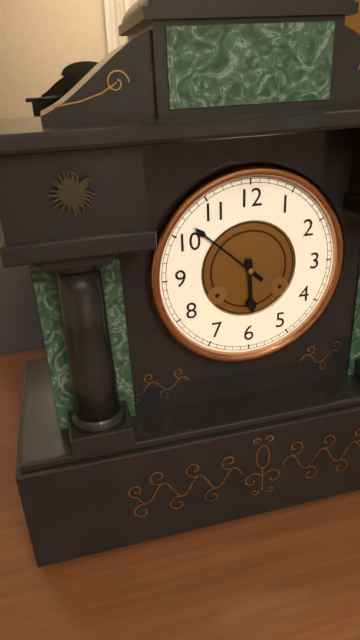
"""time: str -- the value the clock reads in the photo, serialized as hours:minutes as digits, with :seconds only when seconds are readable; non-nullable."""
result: 5:52
